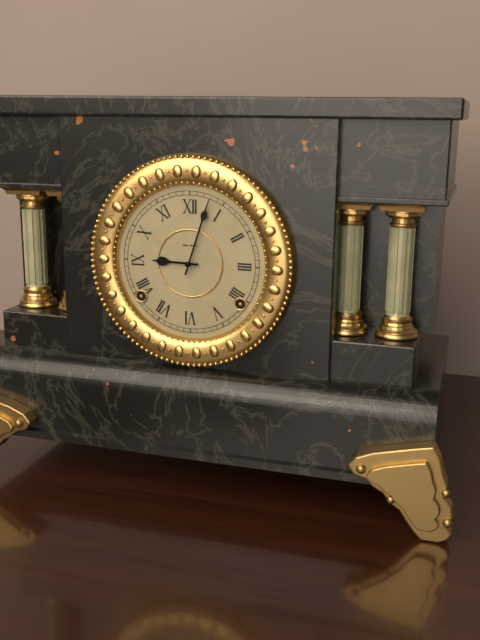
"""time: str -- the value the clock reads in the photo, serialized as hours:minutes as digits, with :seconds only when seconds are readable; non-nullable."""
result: 9:03
